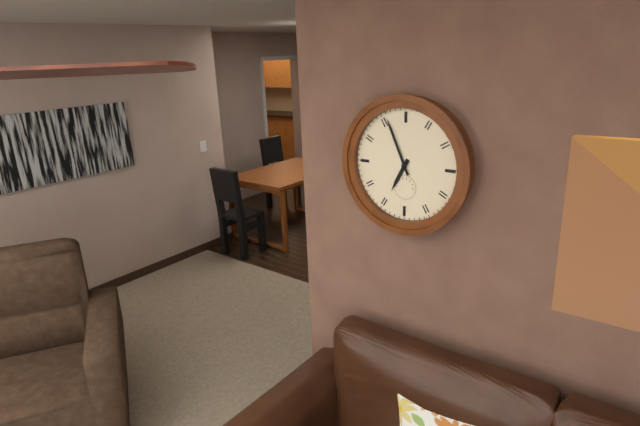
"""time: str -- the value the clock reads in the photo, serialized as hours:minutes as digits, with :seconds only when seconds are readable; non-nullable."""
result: 6:56
